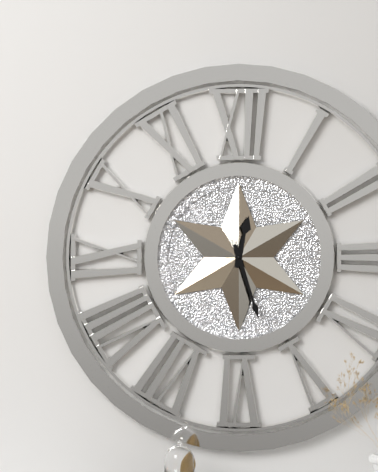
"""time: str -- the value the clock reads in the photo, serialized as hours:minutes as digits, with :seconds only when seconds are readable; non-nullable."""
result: 12:27
